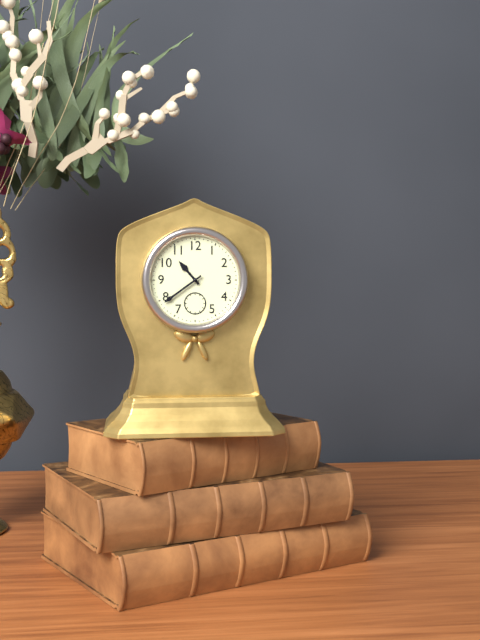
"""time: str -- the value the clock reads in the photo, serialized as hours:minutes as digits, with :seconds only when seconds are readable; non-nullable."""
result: 10:39
